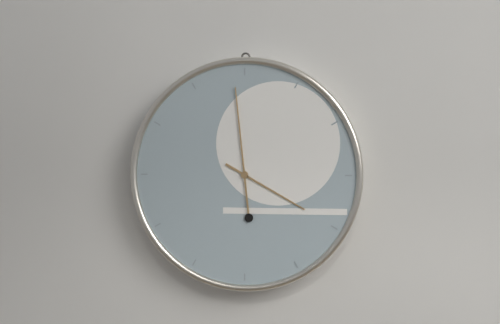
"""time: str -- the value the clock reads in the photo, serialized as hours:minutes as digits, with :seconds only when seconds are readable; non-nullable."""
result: 3:59
